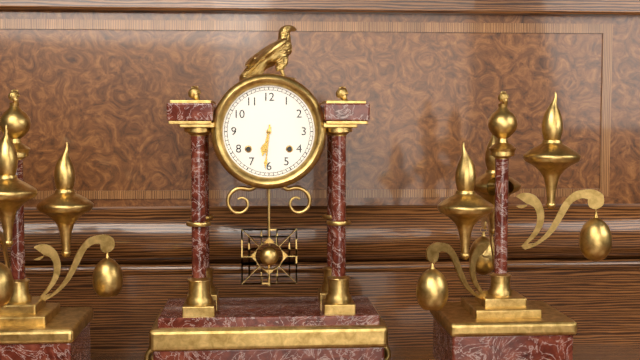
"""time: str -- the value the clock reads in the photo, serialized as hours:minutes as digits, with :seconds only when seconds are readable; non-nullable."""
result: 6:31
